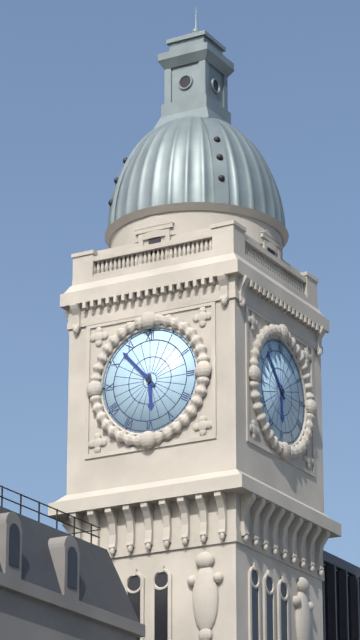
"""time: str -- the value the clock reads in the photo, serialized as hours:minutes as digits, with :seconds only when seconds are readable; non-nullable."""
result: 5:53
